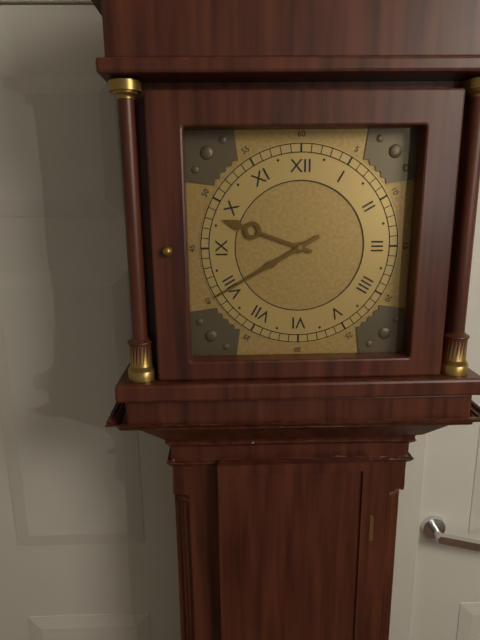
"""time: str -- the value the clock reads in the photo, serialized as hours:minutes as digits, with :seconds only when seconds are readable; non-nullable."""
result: 9:40
